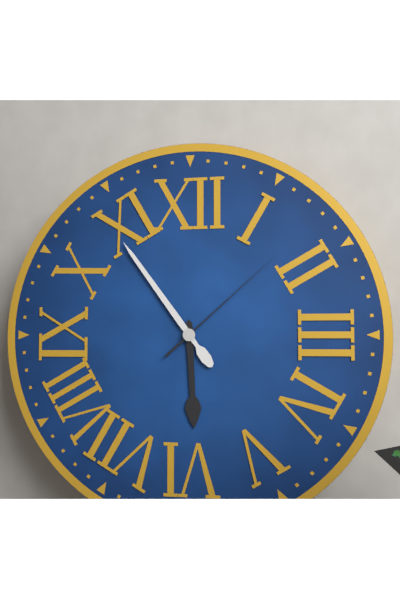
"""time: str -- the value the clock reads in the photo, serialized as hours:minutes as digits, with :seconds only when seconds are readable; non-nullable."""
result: 5:54:08
